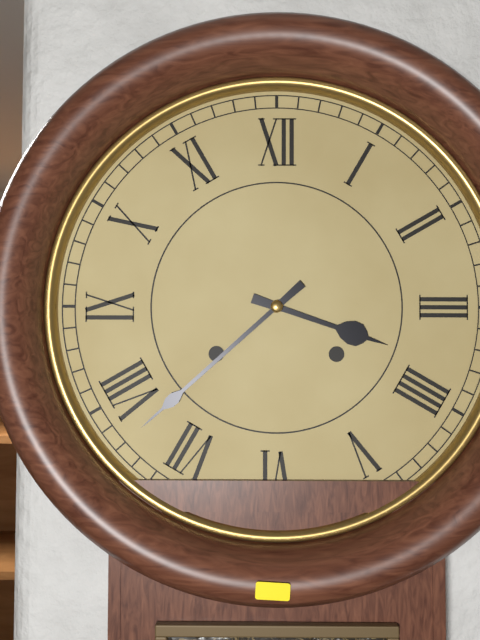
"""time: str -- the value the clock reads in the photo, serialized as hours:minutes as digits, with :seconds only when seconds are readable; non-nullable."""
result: 3:38
